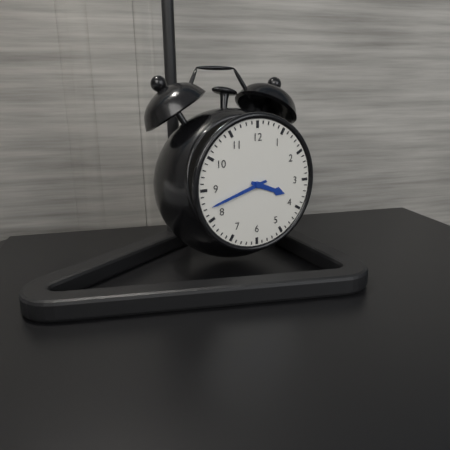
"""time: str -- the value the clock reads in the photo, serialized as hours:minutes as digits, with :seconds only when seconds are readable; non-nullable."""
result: 3:42
